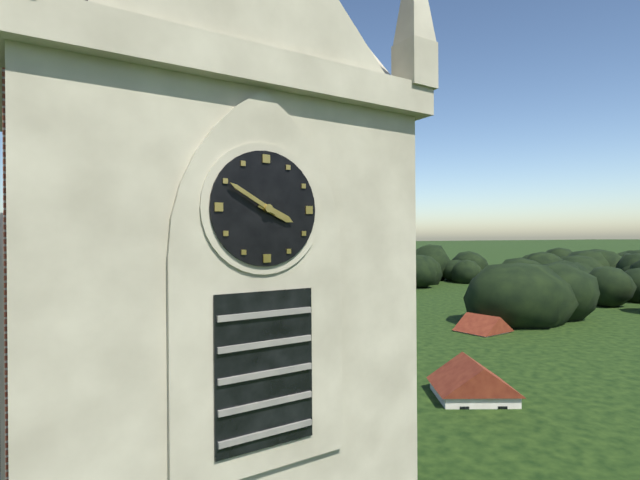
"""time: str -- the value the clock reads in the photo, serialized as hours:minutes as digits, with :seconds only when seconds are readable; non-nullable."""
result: 3:50
